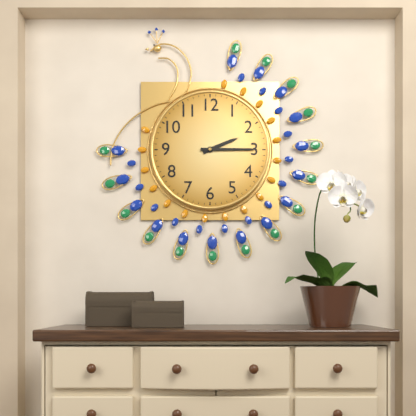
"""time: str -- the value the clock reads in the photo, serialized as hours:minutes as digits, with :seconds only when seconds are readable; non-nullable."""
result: 2:15
